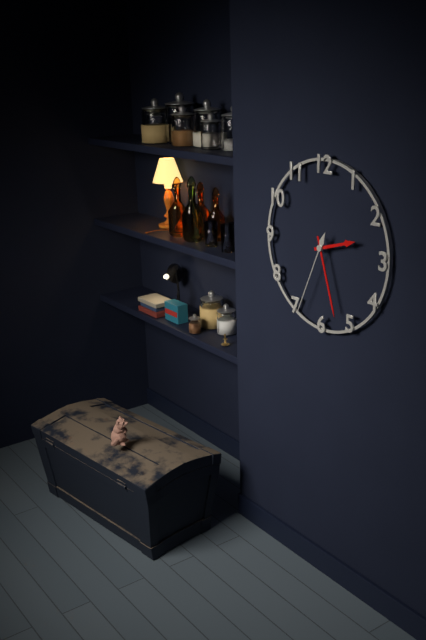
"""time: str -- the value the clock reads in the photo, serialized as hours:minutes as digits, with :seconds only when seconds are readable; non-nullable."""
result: 2:27:34
